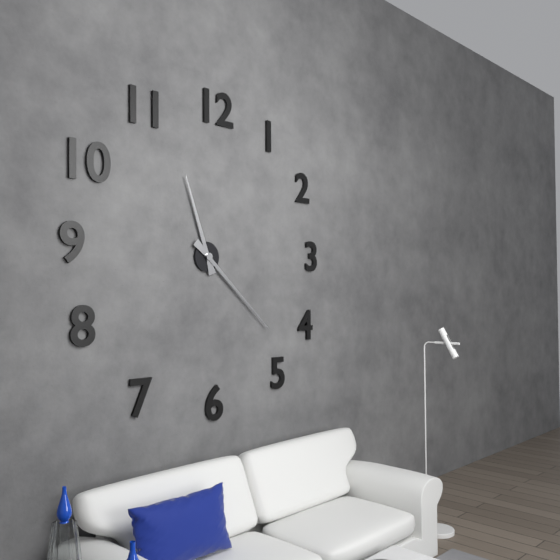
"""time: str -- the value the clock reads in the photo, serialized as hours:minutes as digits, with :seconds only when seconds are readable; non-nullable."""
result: 11:22
